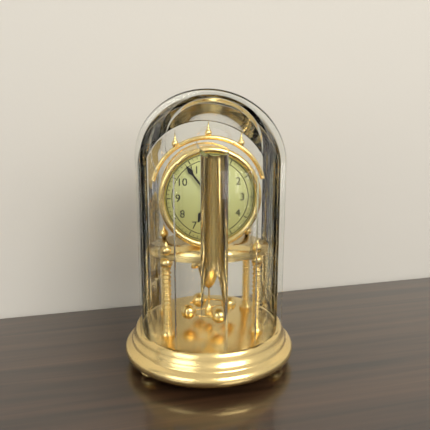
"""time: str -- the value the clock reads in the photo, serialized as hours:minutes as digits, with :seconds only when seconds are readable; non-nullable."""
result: 6:54
